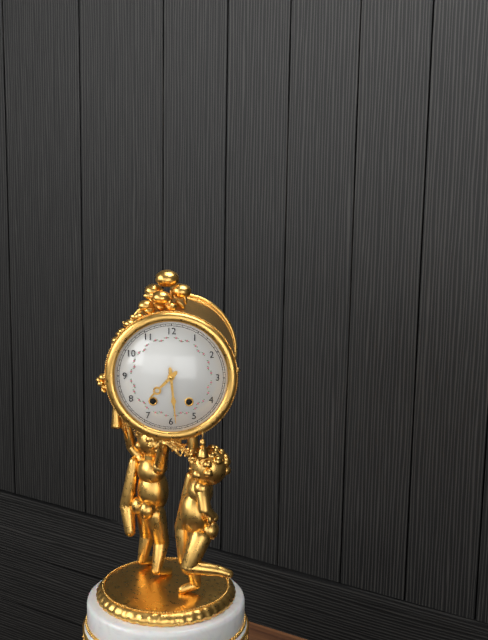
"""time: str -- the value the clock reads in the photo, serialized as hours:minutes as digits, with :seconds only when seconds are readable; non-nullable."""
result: 7:29
